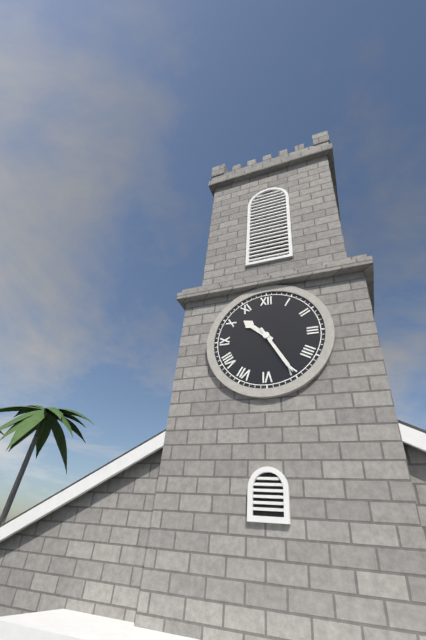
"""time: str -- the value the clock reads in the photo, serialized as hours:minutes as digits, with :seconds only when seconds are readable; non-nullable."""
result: 10:25
